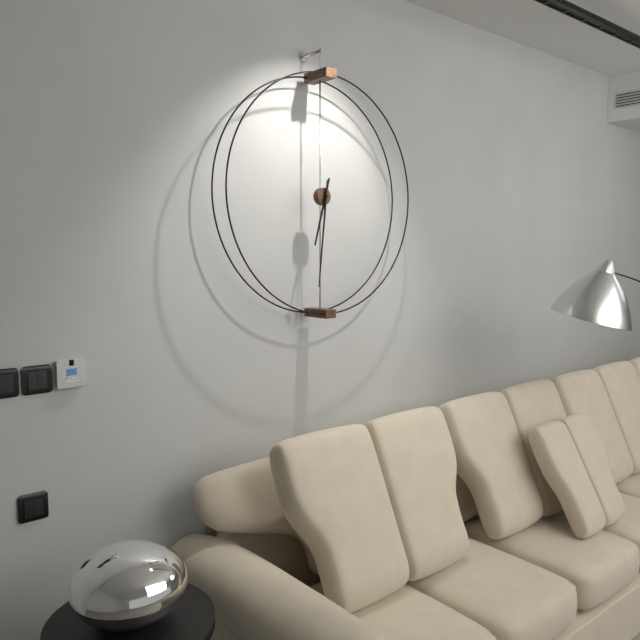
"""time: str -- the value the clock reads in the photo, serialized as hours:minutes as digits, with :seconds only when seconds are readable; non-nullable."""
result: 6:31
